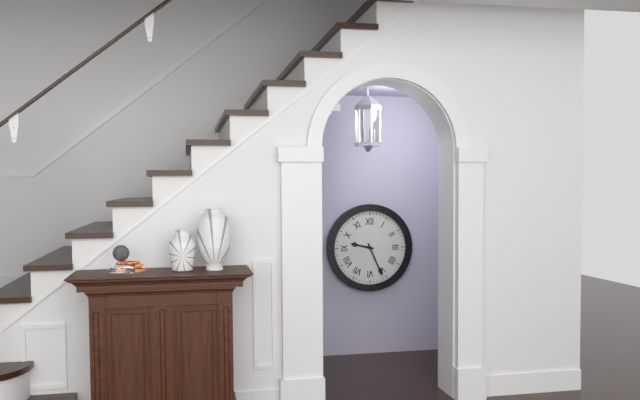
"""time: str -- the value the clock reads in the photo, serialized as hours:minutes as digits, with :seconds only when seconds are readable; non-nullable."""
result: 9:26
